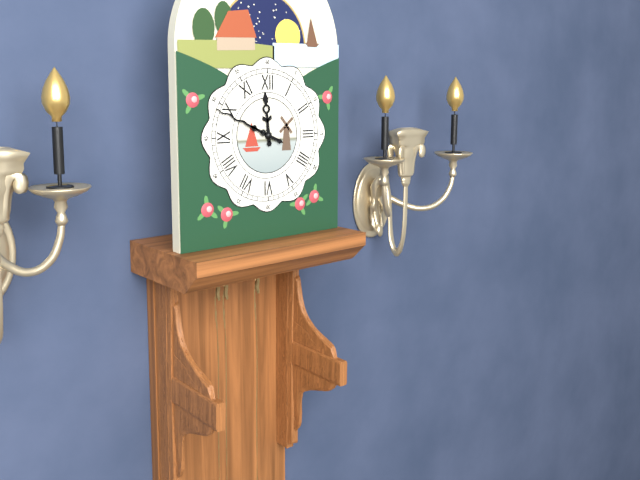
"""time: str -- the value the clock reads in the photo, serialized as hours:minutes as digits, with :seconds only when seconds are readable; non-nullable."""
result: 11:49
